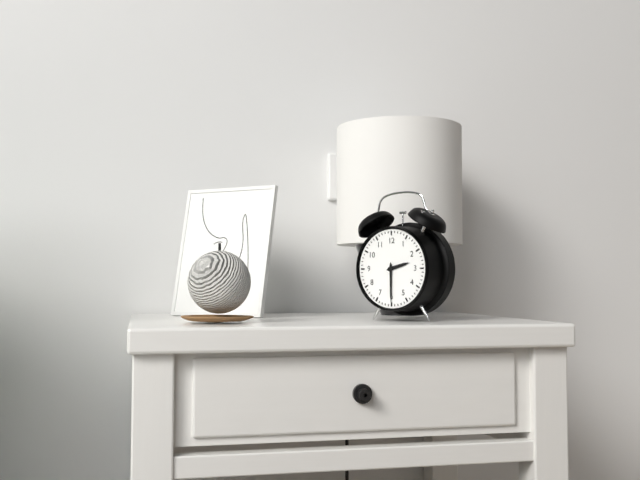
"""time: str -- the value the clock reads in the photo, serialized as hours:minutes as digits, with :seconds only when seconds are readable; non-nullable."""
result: 2:30
